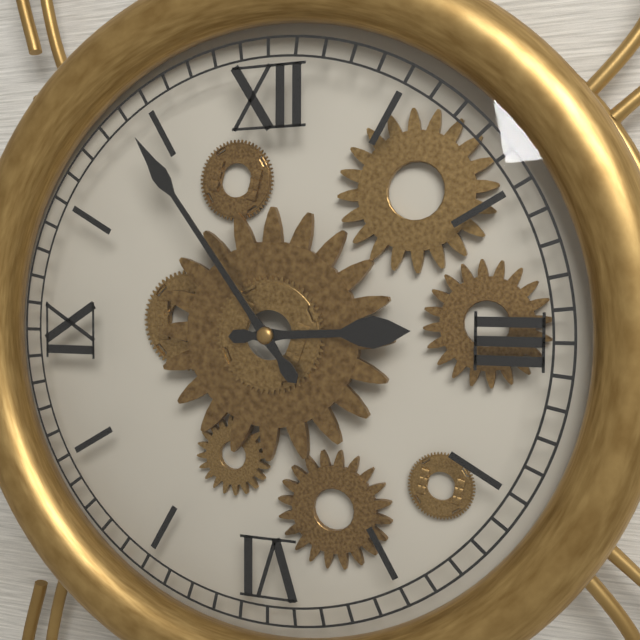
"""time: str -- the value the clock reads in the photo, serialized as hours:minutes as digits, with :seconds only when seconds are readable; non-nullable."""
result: 2:54
